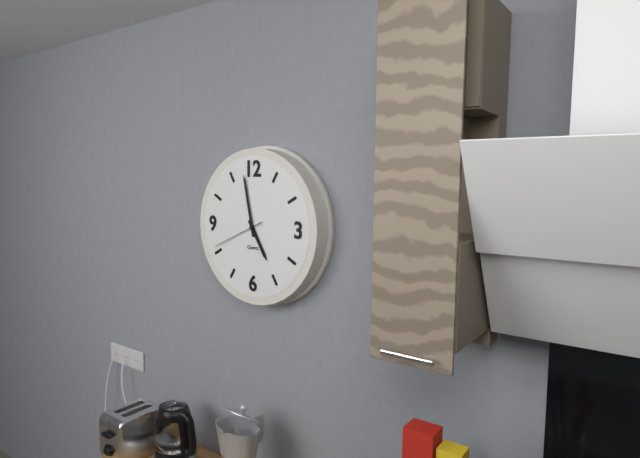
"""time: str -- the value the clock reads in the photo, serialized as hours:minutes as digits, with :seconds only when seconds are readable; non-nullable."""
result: 4:58:41
